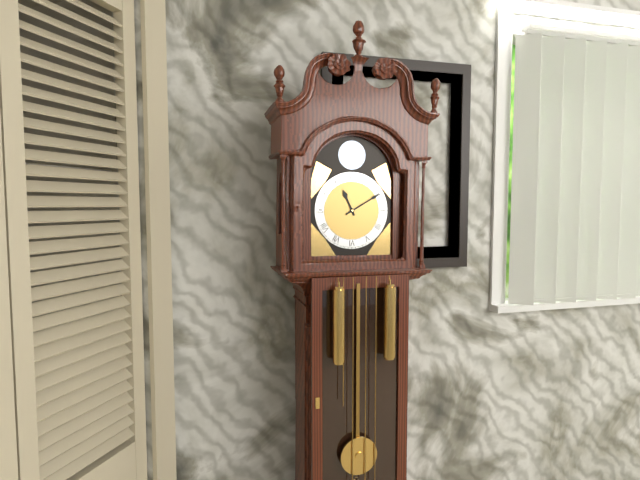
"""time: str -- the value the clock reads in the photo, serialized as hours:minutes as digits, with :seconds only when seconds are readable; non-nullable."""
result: 11:10
